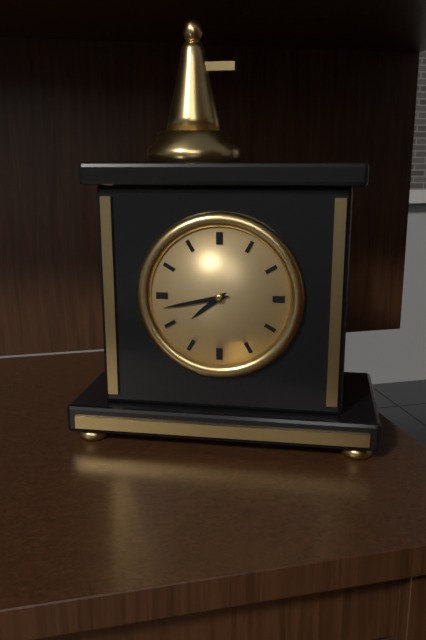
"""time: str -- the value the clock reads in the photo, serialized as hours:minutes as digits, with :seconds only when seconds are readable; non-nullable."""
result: 7:43
